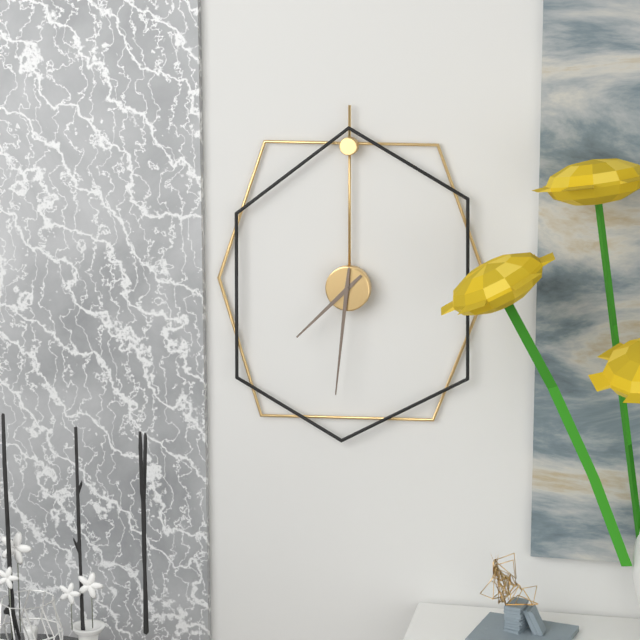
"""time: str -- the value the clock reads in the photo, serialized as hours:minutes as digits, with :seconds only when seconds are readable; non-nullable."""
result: 7:31
